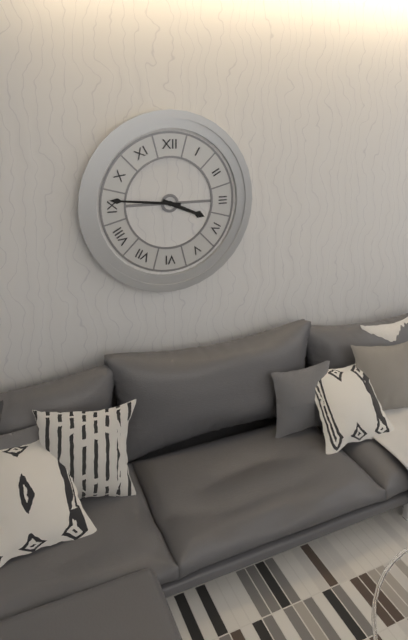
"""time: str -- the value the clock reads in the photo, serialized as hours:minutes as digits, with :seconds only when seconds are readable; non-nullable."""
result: 3:46
